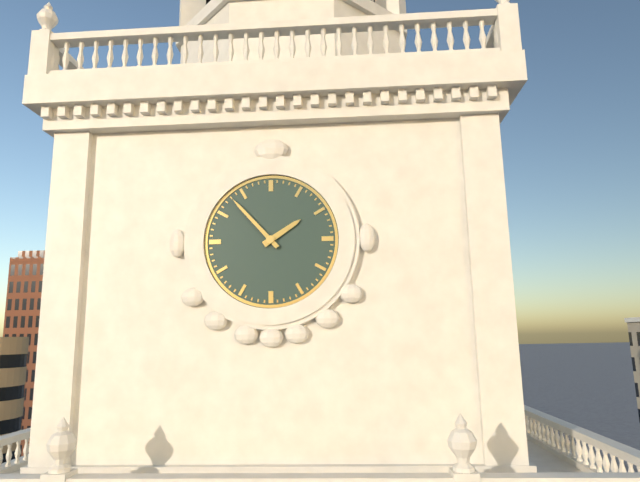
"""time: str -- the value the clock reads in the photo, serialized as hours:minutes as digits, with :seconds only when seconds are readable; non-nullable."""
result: 1:53
